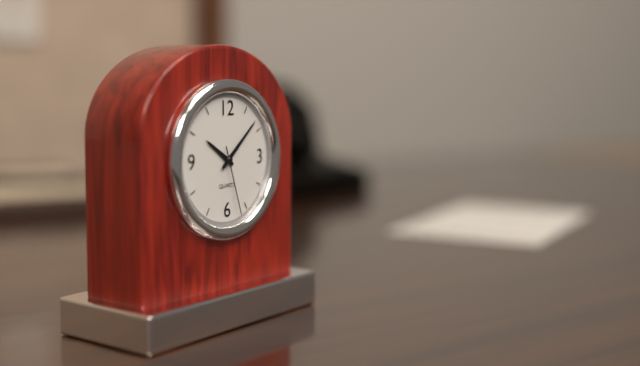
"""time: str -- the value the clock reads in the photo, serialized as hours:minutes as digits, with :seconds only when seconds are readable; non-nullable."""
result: 10:08:27
